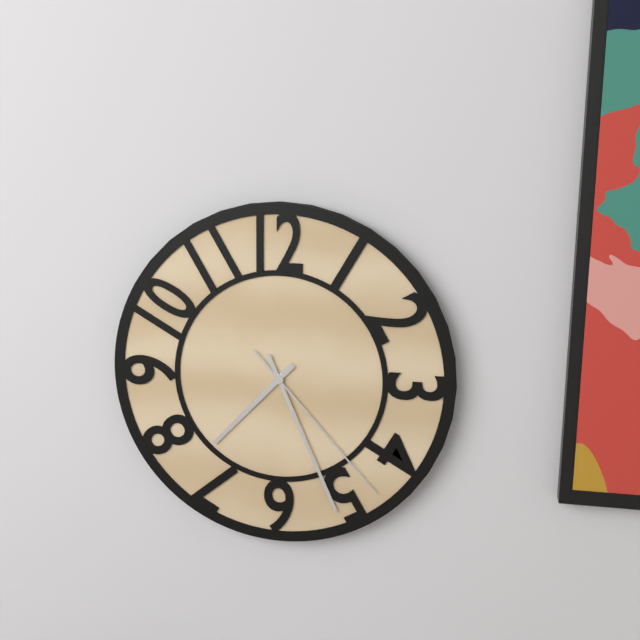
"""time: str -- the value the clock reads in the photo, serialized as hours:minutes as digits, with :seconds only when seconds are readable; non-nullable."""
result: 7:26:23
